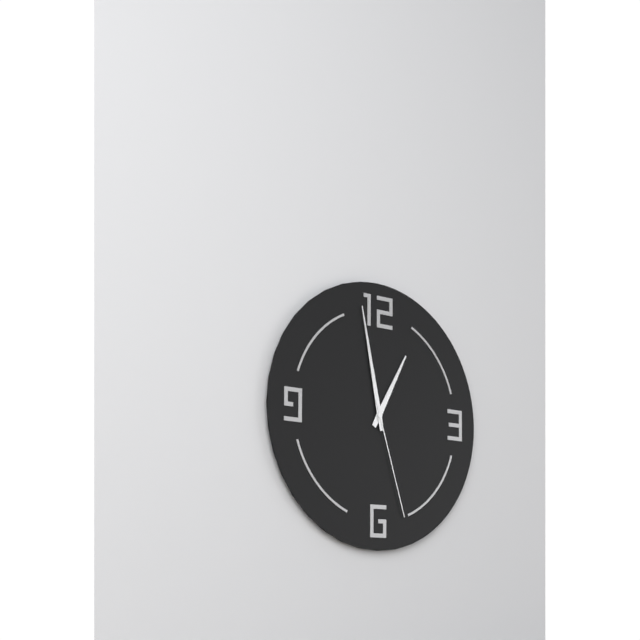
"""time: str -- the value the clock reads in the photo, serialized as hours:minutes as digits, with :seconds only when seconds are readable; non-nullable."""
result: 12:58:27
